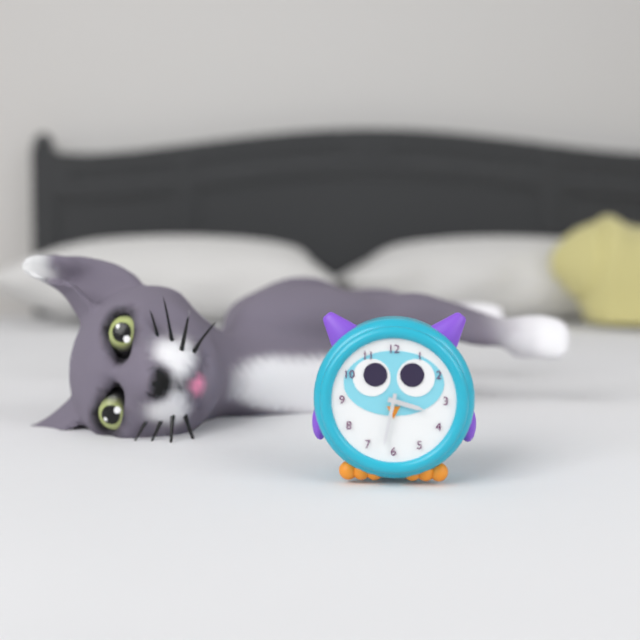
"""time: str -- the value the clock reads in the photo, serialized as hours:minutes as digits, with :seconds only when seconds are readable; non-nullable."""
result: 3:32
